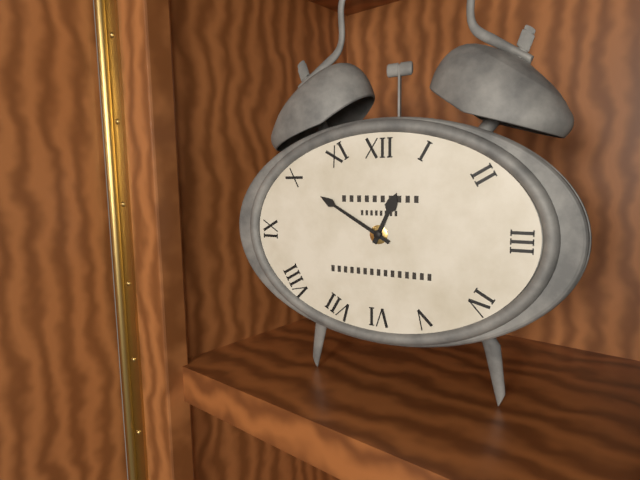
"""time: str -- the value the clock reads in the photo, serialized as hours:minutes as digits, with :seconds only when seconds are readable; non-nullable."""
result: 12:50
